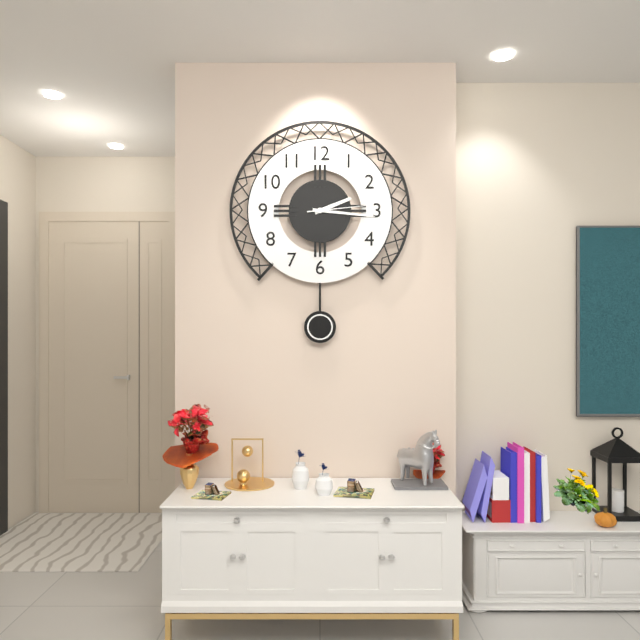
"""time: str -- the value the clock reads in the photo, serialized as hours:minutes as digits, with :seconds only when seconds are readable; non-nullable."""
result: 2:16:14
